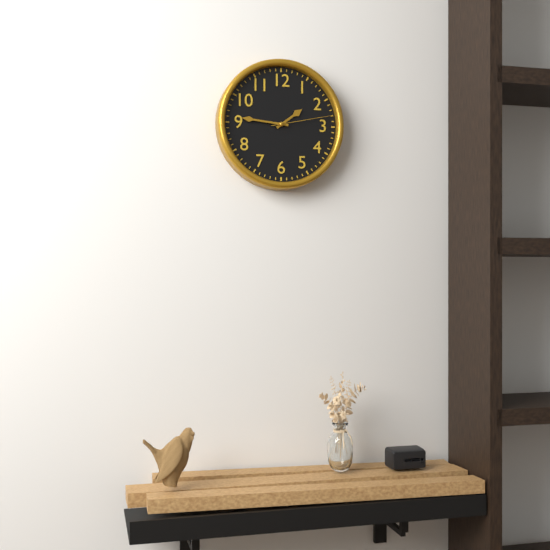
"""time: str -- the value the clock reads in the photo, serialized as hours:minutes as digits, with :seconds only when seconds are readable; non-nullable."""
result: 1:46:13
